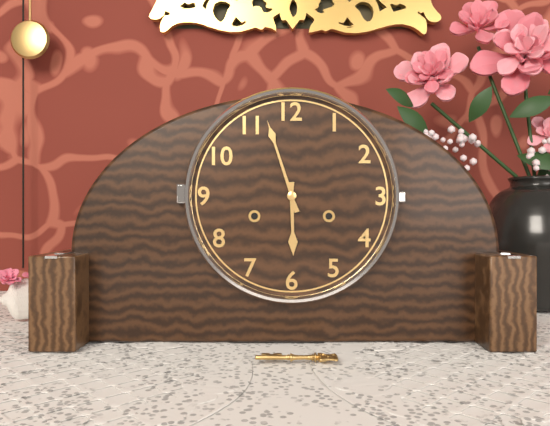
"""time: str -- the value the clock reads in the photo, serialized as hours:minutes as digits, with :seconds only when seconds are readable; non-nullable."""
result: 5:57
